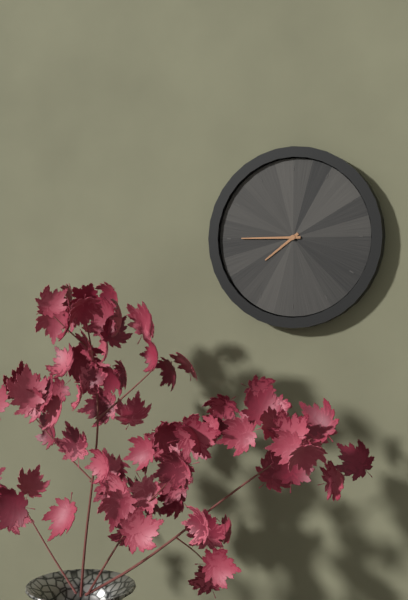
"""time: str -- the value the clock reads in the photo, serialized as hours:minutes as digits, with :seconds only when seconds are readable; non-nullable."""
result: 7:45
